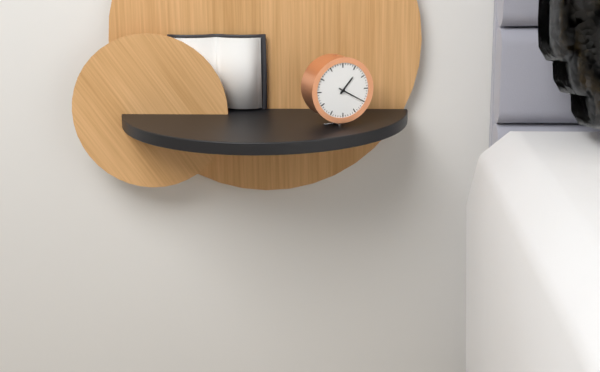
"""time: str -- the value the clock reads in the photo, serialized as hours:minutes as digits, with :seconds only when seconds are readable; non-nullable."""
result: 1:20
